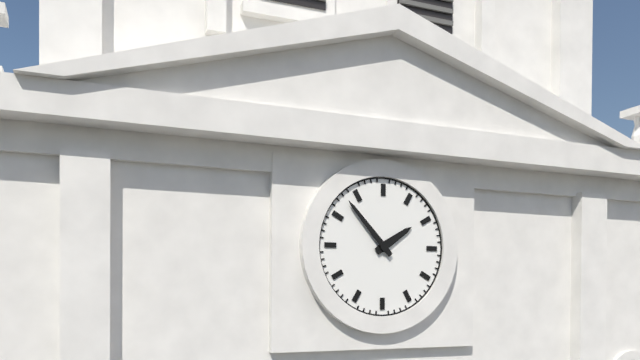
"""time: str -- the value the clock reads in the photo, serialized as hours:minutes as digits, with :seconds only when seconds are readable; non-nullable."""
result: 1:53
